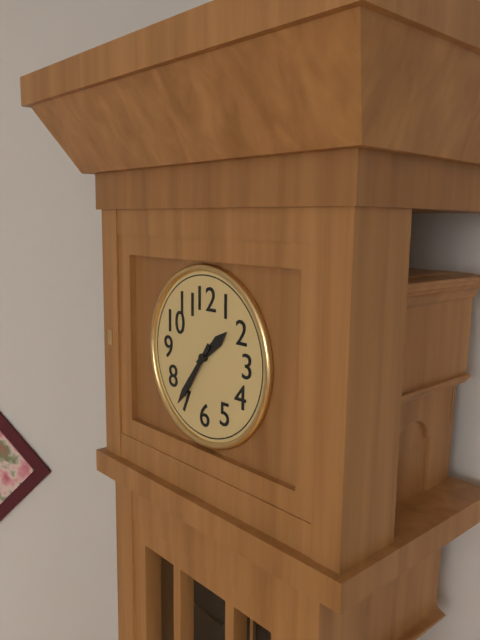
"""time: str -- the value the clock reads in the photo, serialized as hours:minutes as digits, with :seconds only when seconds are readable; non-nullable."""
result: 1:36
